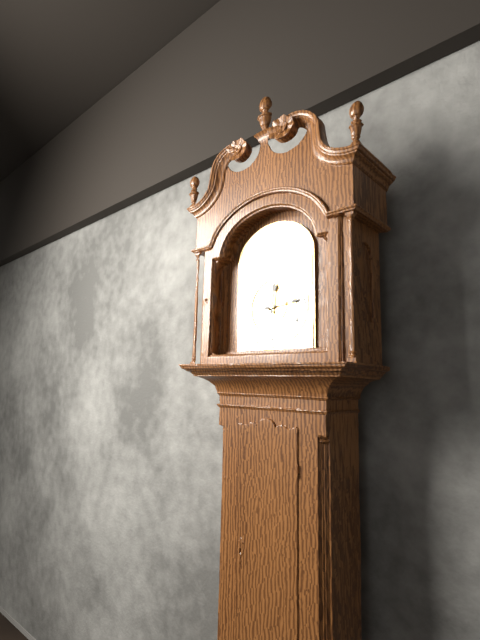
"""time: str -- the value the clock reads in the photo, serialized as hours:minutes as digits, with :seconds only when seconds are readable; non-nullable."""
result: 12:14
